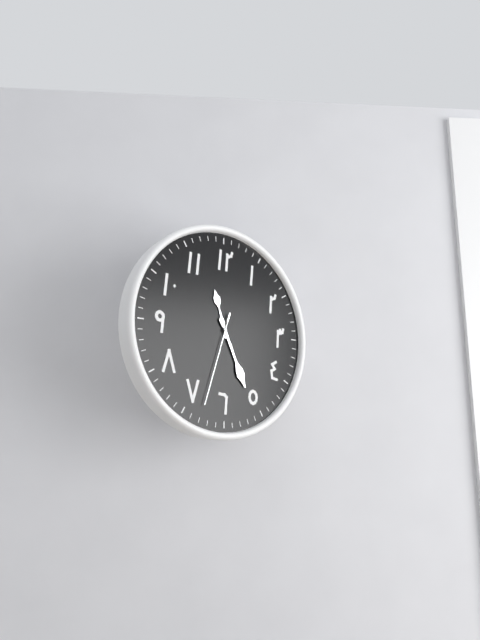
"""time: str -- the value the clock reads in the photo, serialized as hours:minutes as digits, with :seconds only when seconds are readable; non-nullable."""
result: 11:26:33
